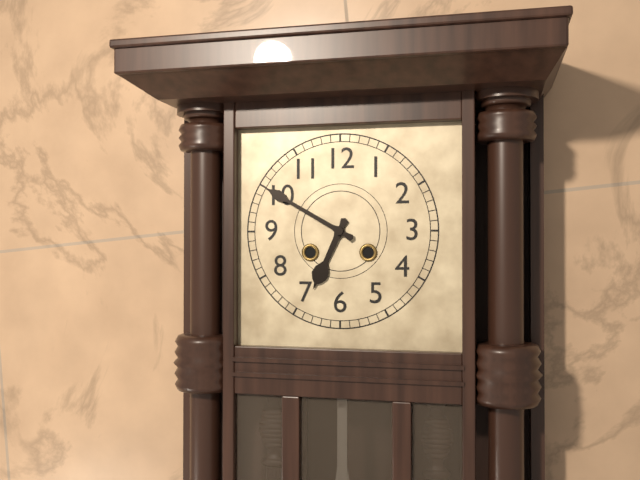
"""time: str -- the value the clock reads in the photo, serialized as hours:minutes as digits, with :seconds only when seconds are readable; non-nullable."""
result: 6:50
